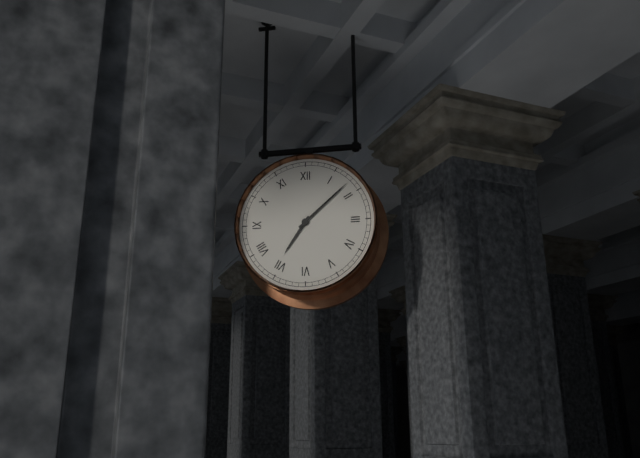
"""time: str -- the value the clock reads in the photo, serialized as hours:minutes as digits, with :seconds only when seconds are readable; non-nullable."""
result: 7:08
